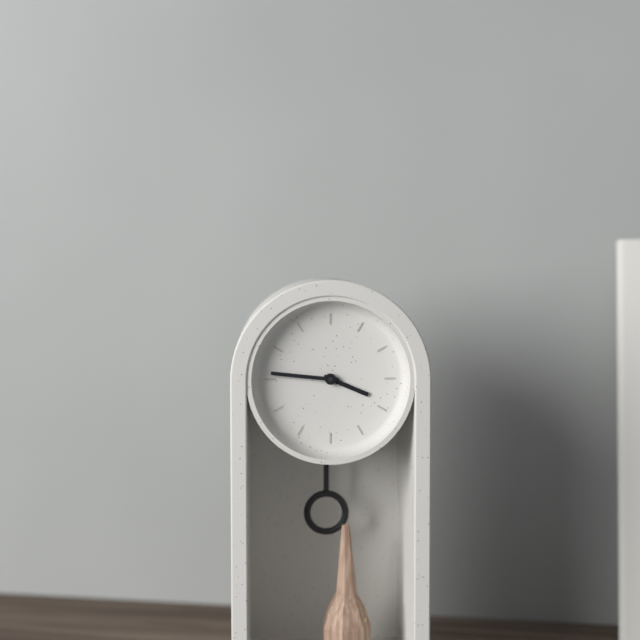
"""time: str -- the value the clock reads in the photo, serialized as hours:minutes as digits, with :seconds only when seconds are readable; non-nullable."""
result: 3:46
